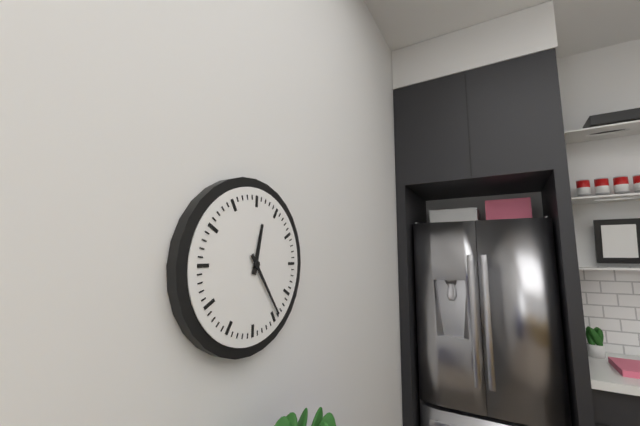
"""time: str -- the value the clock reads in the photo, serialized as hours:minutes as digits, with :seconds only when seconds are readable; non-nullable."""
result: 12:24
